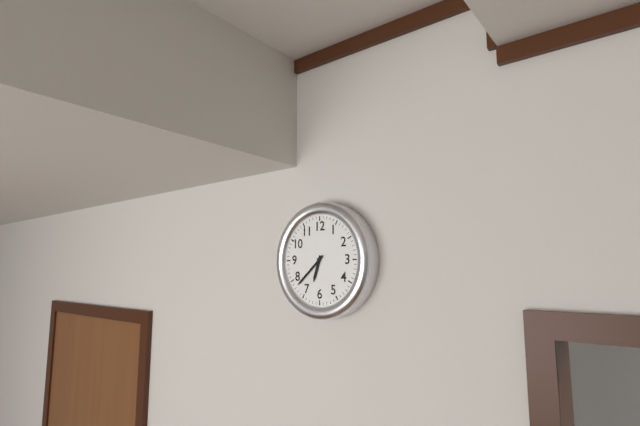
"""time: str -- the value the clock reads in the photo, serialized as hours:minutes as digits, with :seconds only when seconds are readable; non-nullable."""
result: 6:38
